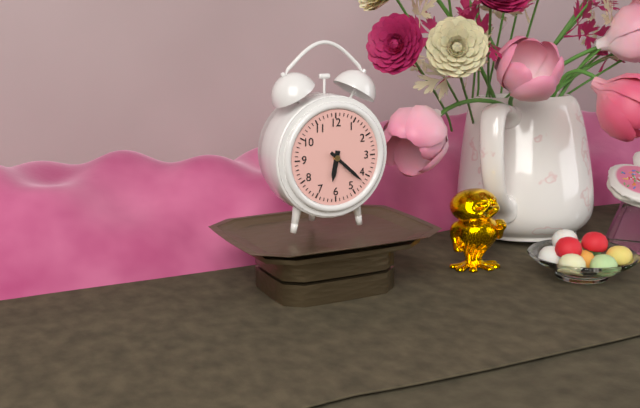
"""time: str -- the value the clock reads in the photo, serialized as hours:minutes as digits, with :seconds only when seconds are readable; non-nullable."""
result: 6:22
